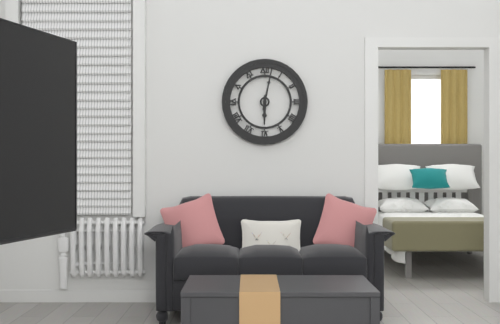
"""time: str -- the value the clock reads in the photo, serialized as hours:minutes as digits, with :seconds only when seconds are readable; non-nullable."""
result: 6:02
